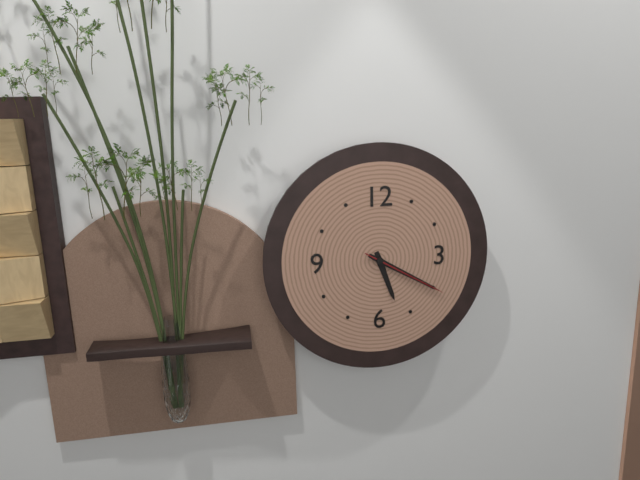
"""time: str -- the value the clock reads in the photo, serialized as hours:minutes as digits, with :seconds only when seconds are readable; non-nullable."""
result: 5:20:20
